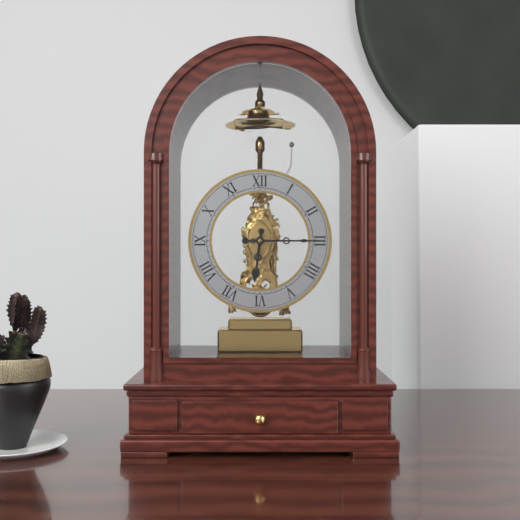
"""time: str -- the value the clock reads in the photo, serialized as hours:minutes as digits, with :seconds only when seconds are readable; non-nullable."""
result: 6:15
